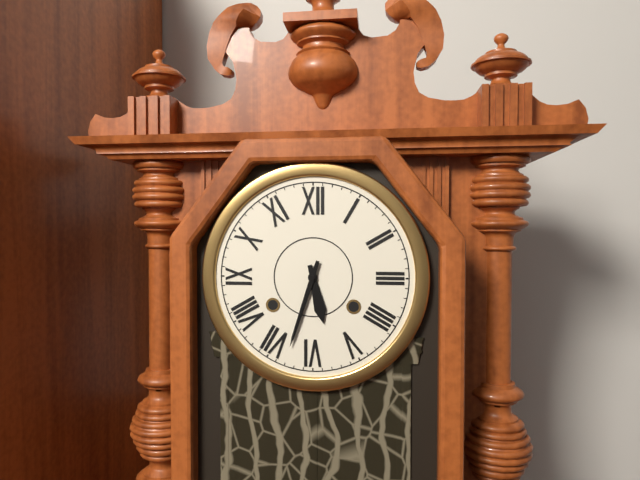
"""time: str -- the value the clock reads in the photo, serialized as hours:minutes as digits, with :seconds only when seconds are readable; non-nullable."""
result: 5:33
